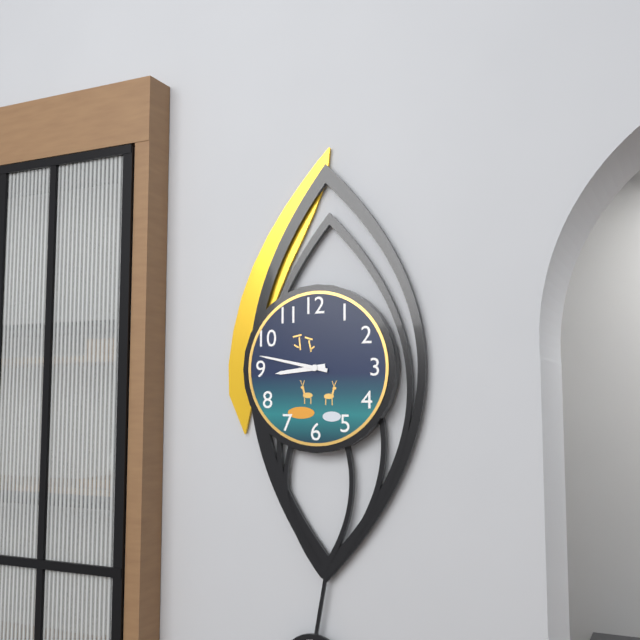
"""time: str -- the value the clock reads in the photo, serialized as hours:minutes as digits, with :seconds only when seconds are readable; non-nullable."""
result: 8:47
